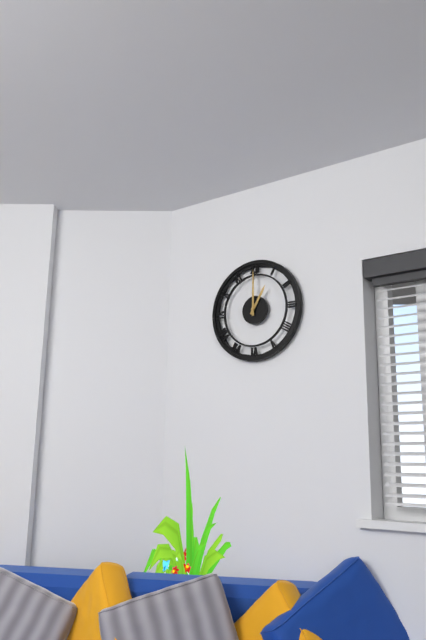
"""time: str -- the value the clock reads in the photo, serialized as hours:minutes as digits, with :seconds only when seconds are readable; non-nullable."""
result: 1:00
